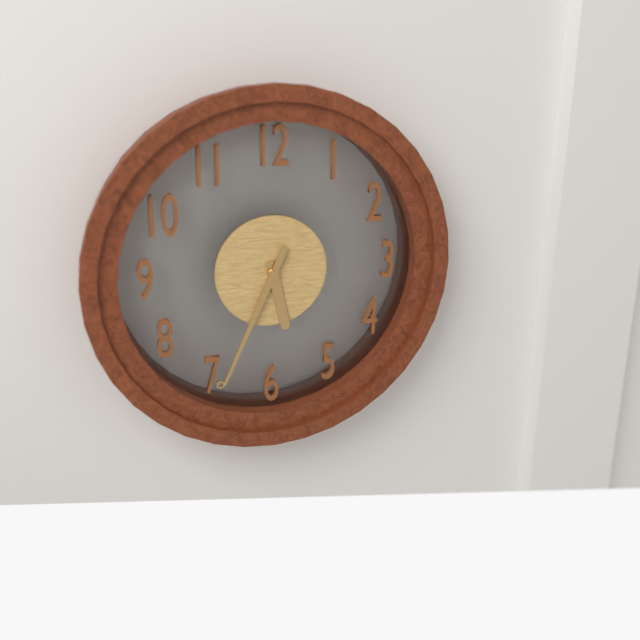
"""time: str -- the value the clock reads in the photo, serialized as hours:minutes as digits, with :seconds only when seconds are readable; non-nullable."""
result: 5:34
